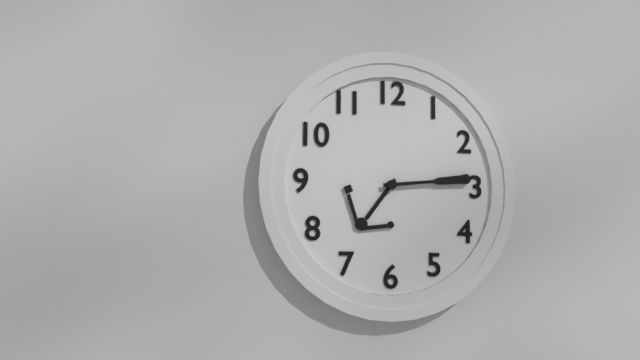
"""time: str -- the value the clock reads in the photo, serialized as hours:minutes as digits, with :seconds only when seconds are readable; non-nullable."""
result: 7:14
